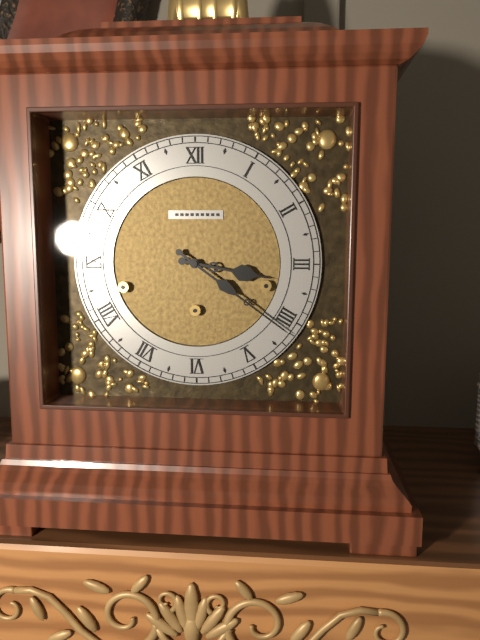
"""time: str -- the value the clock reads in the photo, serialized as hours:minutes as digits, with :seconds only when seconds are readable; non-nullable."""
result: 3:21
